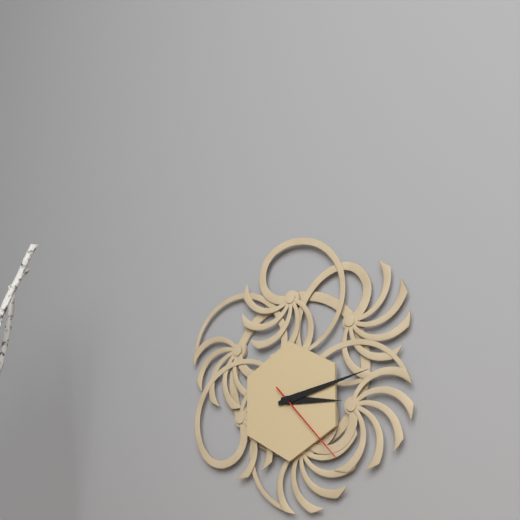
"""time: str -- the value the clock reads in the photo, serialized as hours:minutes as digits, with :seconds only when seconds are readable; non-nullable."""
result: 3:13:23
